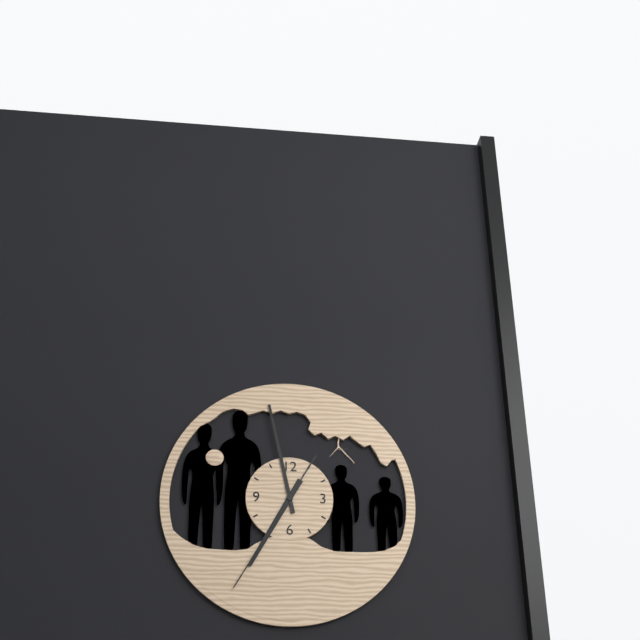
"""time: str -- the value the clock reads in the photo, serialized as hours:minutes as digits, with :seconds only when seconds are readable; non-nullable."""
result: 6:58:35
